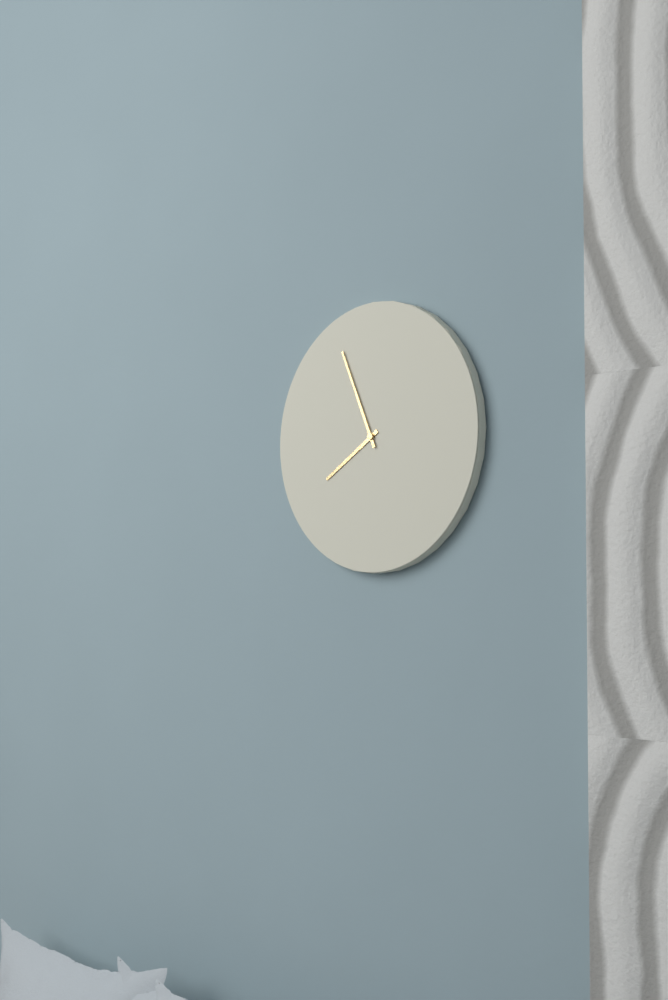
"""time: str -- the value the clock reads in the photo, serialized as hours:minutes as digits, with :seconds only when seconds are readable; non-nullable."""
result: 7:56
